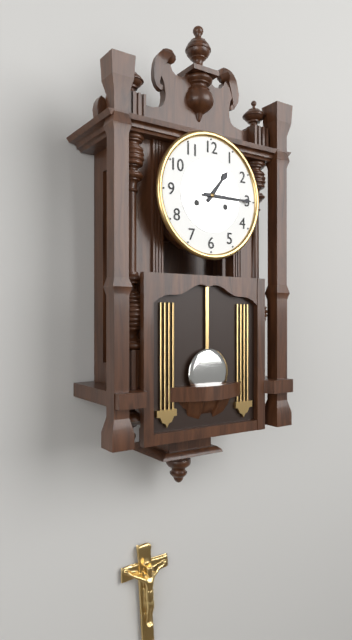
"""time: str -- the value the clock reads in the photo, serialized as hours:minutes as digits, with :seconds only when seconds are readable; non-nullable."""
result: 1:15
